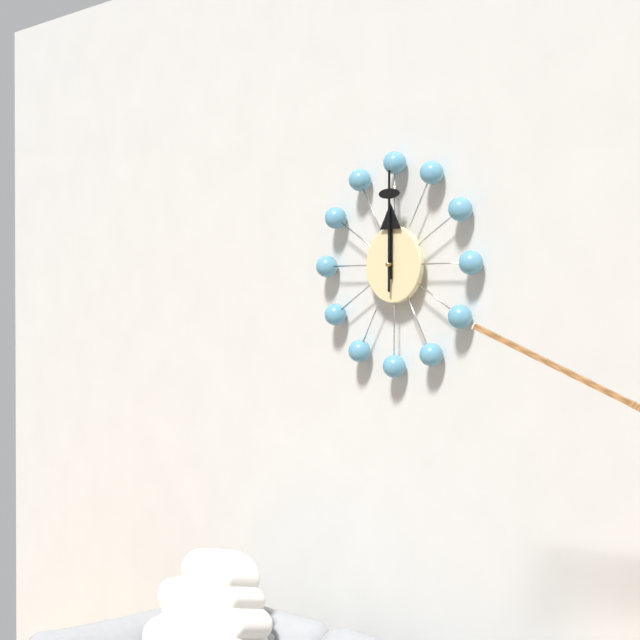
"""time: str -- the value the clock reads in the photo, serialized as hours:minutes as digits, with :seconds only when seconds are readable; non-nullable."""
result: 12:00
